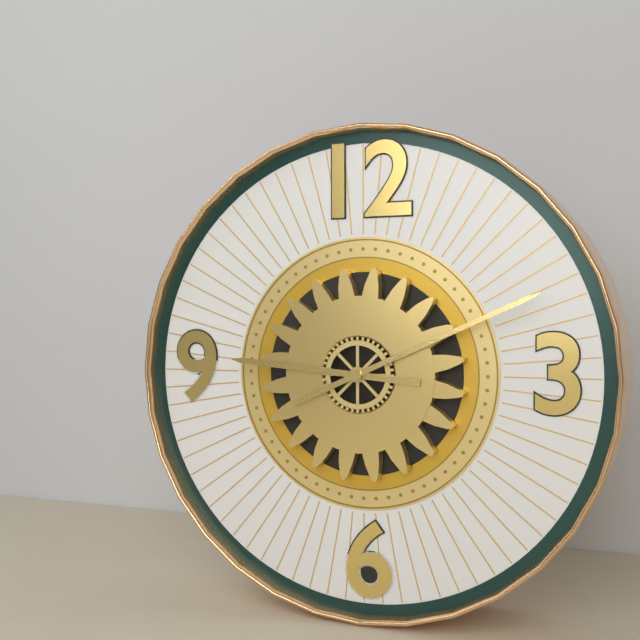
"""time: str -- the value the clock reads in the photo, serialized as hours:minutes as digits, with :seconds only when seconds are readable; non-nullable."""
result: 9:11
